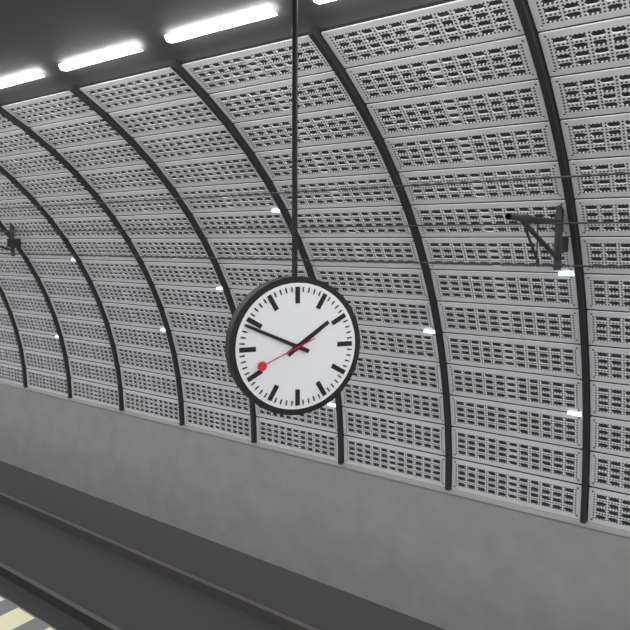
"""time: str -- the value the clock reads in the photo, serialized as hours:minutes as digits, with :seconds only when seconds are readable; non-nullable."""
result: 1:49:41
